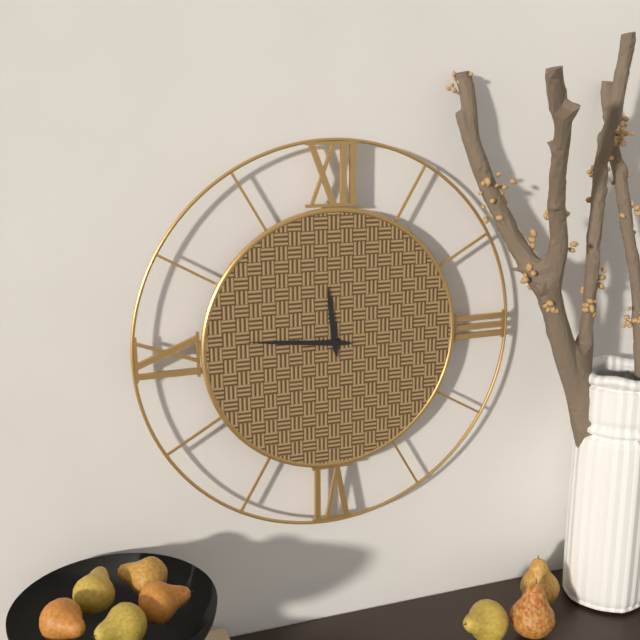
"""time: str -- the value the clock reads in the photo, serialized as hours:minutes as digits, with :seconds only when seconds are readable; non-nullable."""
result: 11:46
